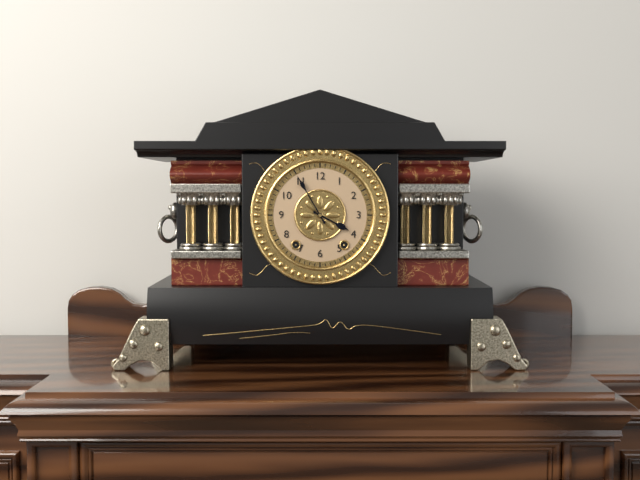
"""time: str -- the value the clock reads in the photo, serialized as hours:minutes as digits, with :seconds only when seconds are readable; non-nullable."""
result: 3:55
